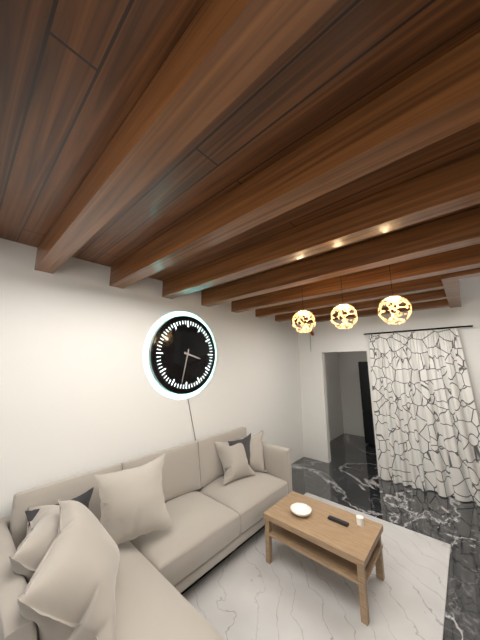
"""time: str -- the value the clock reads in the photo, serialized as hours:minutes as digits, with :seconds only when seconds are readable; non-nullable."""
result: 3:32
